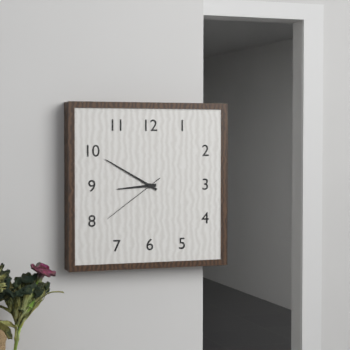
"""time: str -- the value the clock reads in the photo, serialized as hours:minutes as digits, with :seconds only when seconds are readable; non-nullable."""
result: 8:50:39
